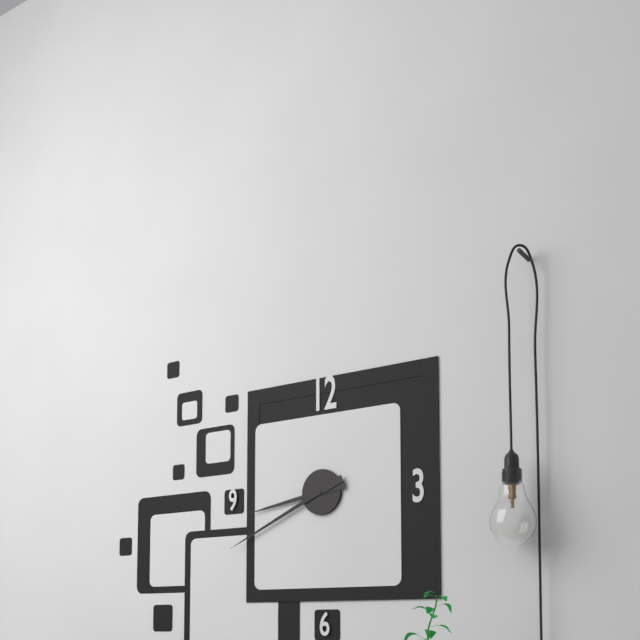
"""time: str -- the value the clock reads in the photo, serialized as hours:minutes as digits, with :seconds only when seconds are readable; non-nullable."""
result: 8:41
